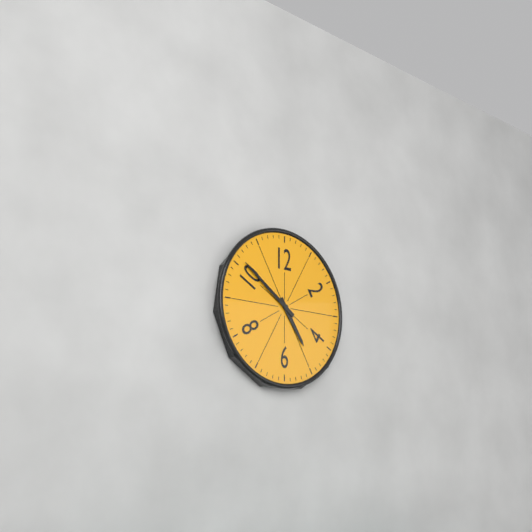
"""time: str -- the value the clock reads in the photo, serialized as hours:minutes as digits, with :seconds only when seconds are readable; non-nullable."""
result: 4:51
